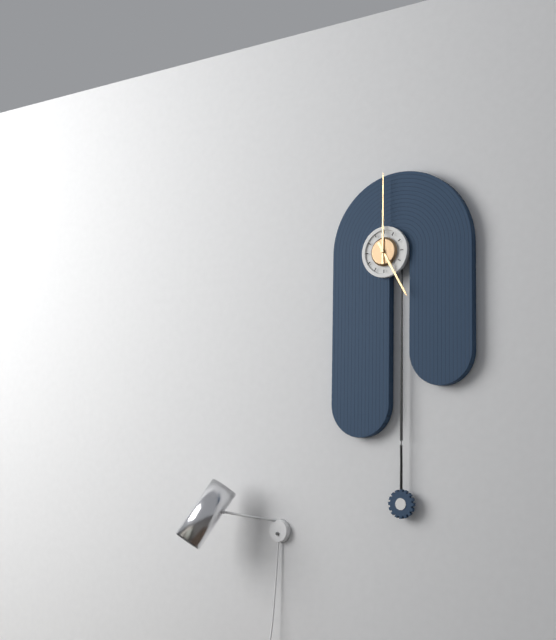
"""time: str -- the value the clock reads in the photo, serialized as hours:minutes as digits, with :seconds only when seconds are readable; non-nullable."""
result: 5:00
